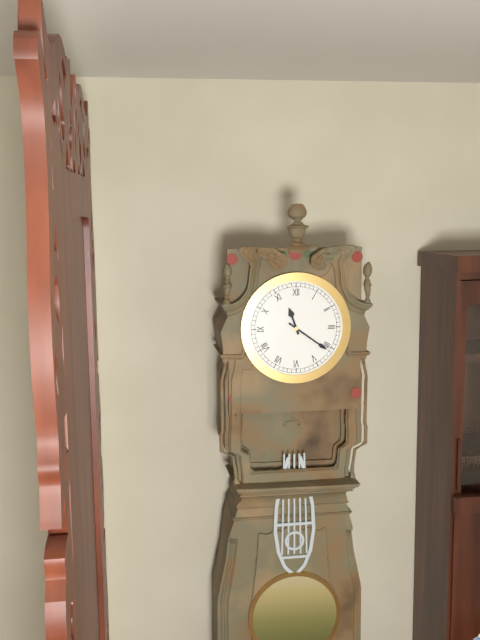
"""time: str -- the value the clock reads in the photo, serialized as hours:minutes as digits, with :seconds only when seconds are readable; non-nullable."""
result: 11:21
